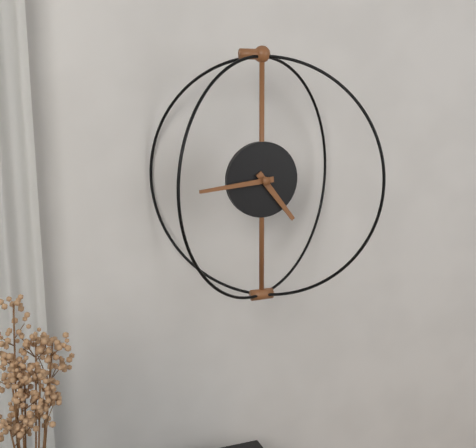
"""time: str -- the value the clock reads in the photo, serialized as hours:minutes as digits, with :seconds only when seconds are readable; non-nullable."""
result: 4:44
